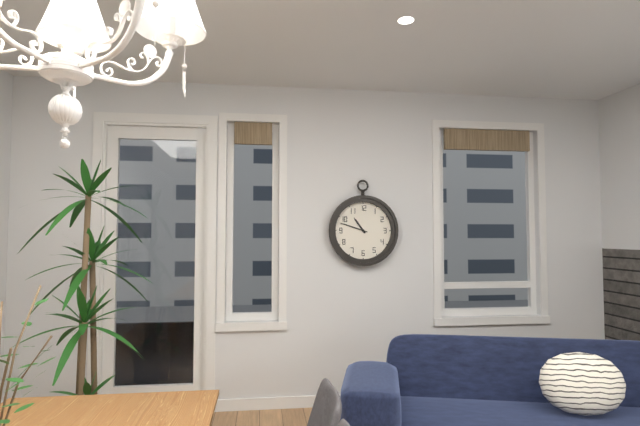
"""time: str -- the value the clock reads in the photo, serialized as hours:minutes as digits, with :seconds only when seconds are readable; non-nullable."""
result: 10:48
